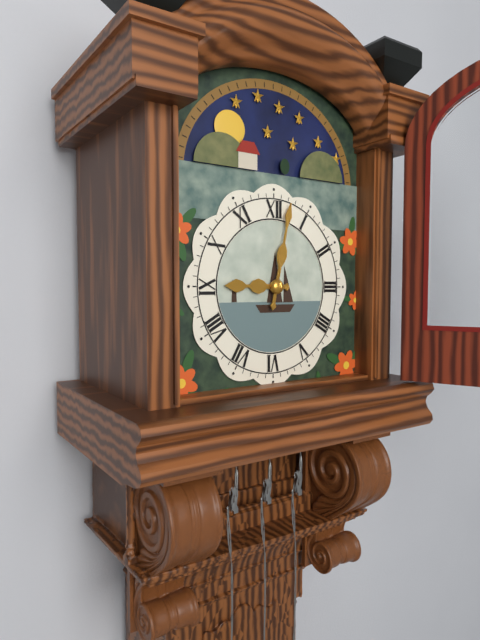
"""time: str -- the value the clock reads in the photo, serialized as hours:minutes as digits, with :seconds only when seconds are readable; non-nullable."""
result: 9:02
